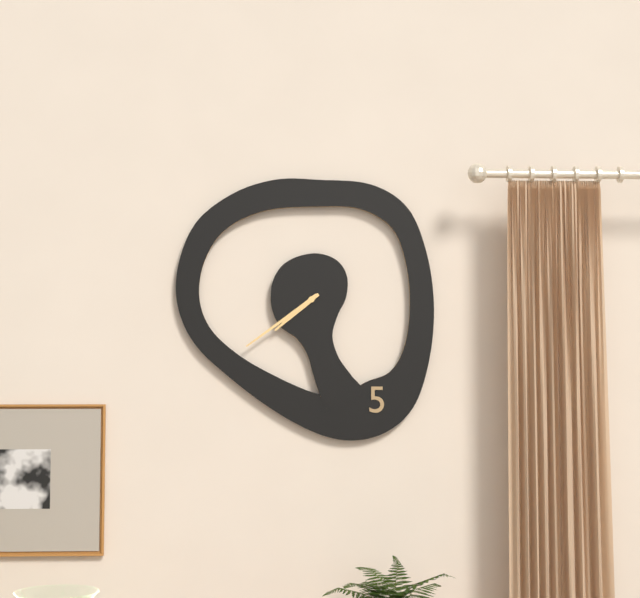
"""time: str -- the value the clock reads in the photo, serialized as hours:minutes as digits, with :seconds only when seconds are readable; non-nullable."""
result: 7:39
